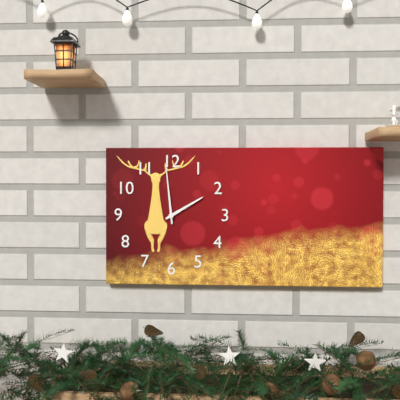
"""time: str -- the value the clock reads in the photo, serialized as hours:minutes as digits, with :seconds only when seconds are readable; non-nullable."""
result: 1:59
